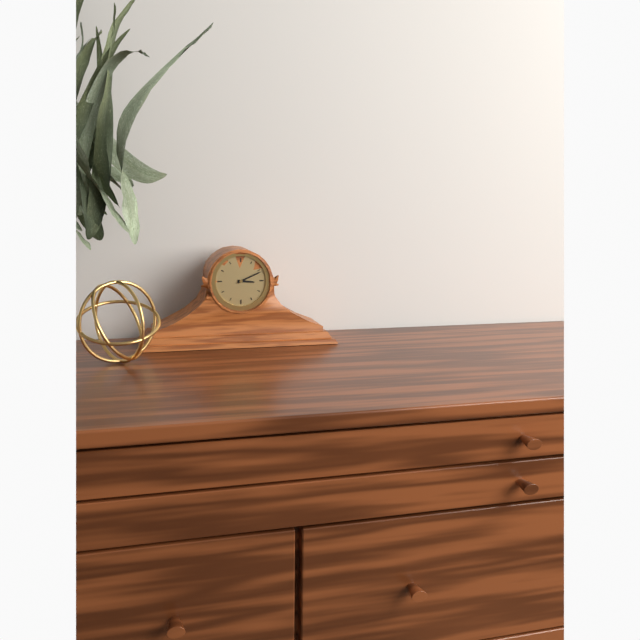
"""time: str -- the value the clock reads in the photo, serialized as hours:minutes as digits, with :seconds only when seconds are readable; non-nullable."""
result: 3:11
